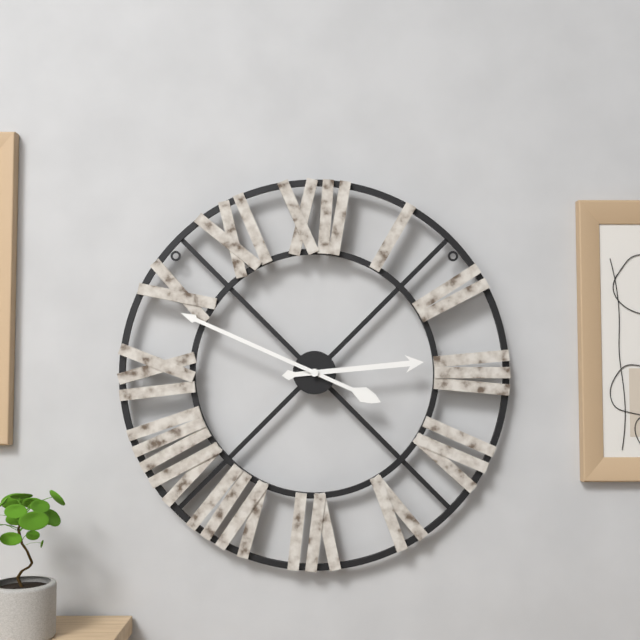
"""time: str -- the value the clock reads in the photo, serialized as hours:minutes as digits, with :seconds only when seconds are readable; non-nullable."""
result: 2:49
